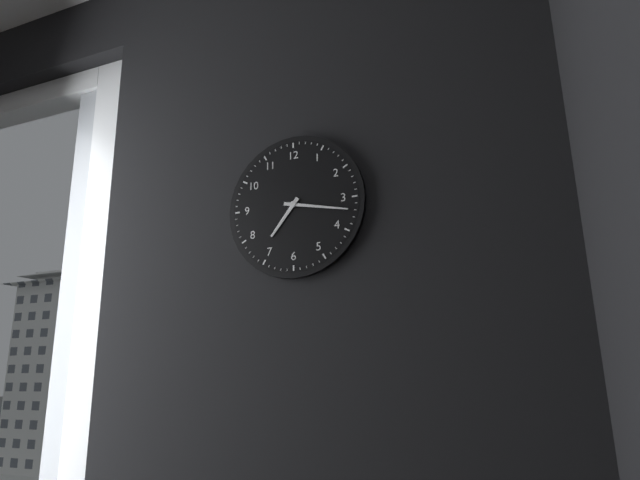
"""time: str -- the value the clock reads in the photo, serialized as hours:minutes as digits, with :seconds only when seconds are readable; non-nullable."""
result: 7:17
